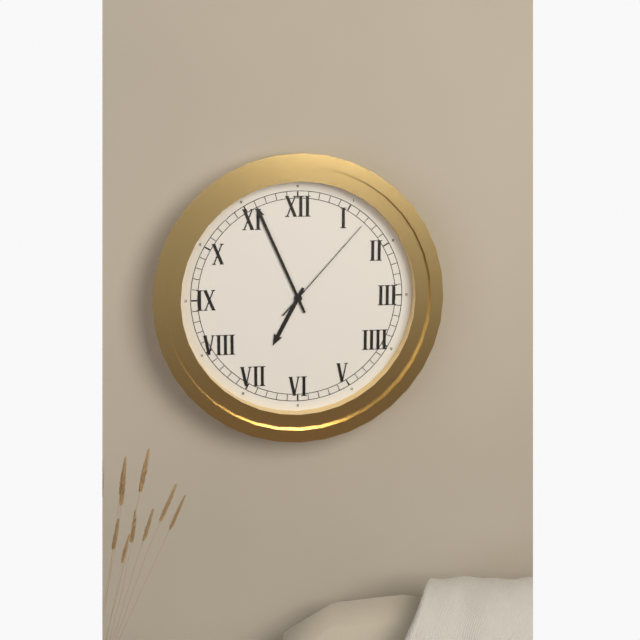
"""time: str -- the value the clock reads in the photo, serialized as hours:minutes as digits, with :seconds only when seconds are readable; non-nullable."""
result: 6:56:07
